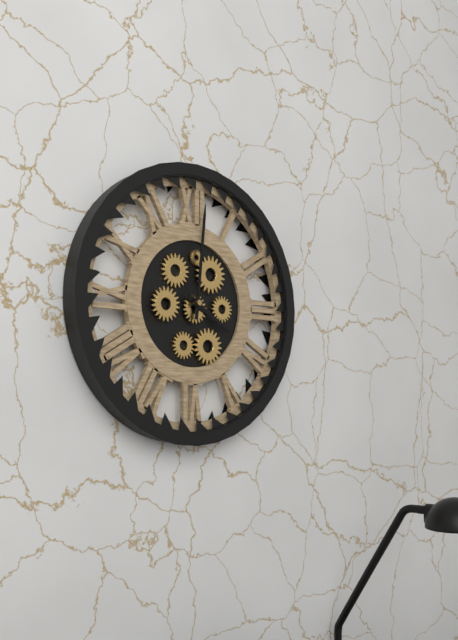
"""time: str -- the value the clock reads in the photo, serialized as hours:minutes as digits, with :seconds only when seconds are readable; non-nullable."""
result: 4:01
